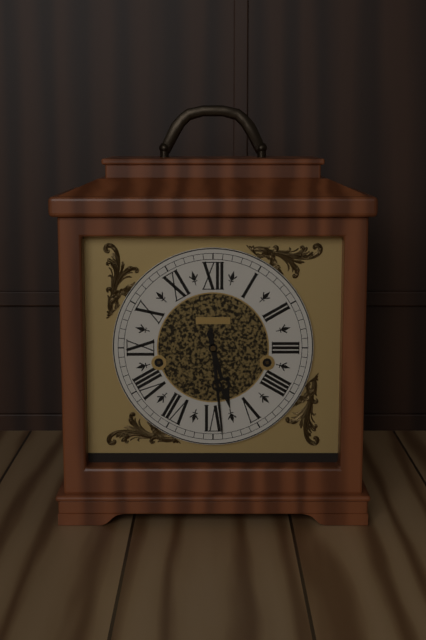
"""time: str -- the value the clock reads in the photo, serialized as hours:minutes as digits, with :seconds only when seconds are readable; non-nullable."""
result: 5:29
